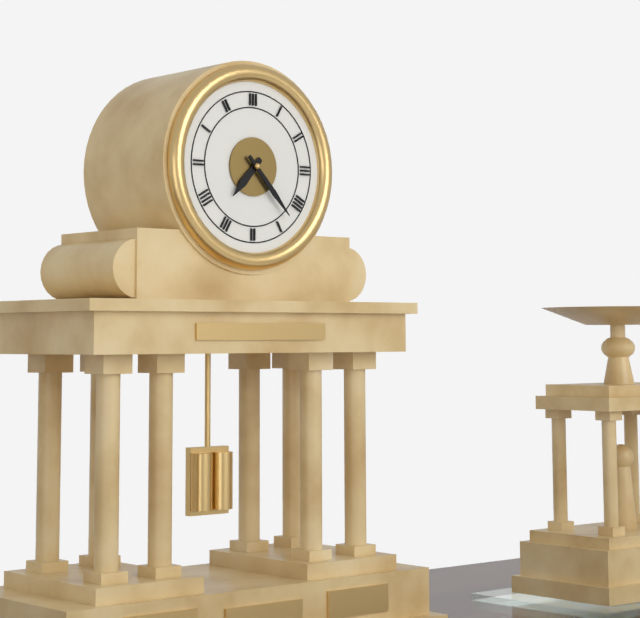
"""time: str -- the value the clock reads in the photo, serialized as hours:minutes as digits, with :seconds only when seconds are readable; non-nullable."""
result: 7:23
